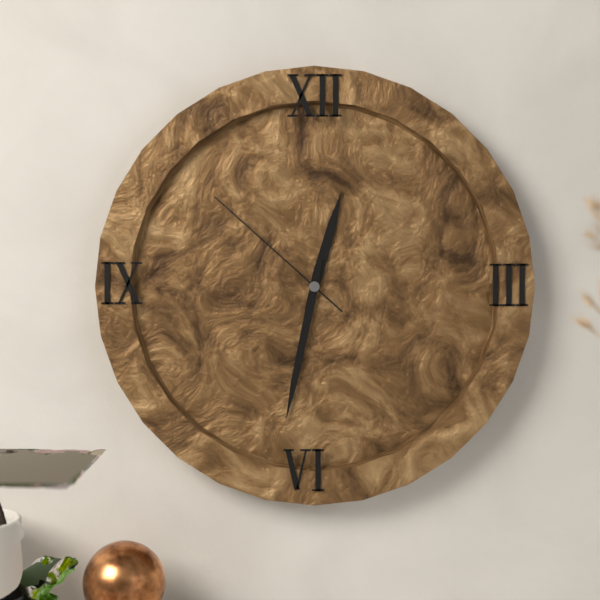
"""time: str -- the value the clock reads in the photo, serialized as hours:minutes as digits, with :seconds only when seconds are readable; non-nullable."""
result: 12:32:52
